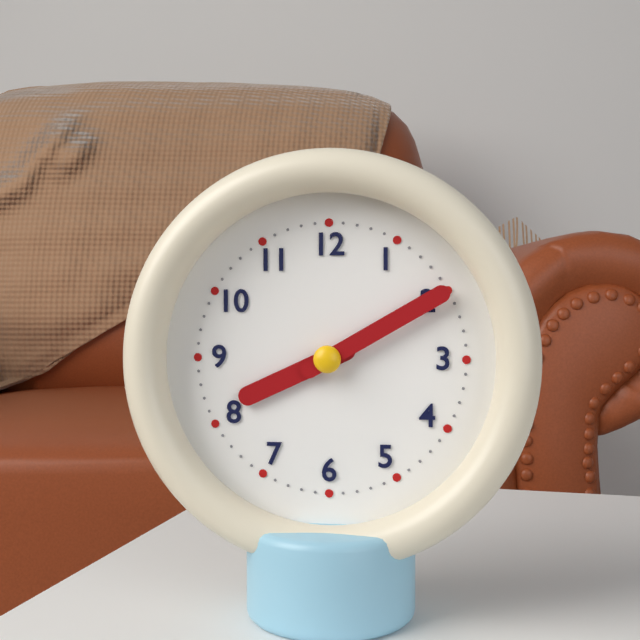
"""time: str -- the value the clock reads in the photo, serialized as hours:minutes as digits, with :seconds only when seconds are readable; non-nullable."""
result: 8:10
